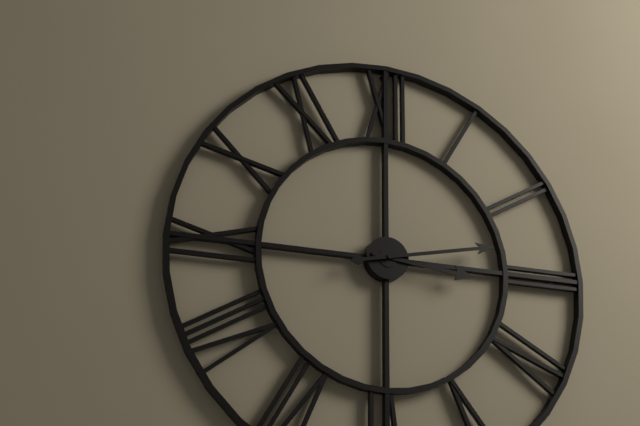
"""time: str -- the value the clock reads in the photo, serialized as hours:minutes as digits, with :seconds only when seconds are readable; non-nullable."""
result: 3:13
